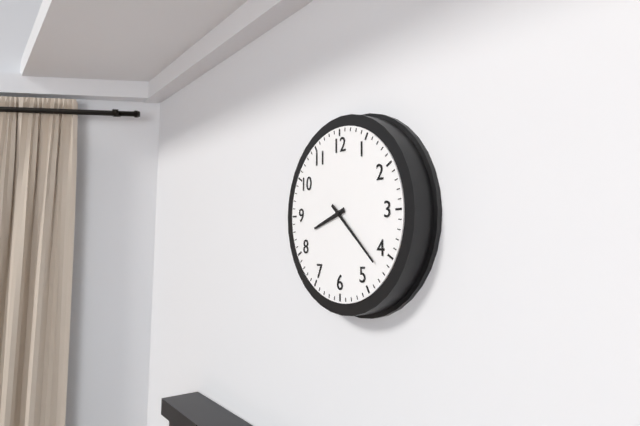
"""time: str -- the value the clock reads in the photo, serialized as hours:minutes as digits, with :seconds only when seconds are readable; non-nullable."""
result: 8:22
